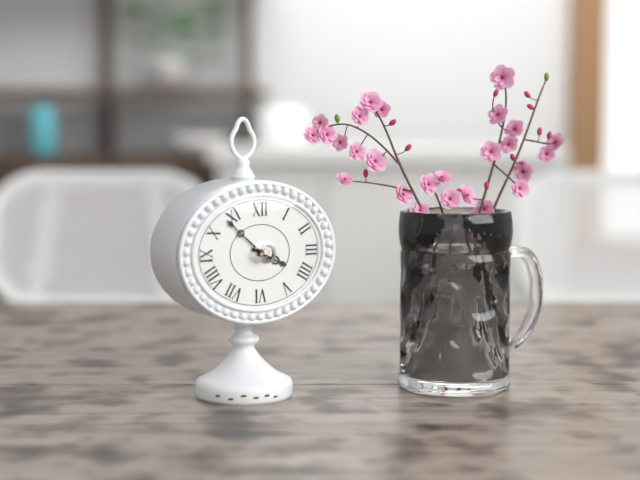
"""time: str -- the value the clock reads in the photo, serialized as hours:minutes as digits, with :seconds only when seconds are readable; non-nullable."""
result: 3:52
